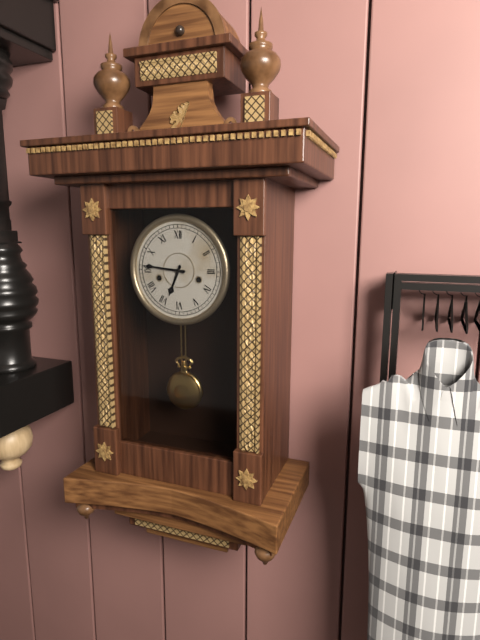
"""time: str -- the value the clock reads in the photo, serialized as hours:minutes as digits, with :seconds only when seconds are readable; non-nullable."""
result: 6:46
